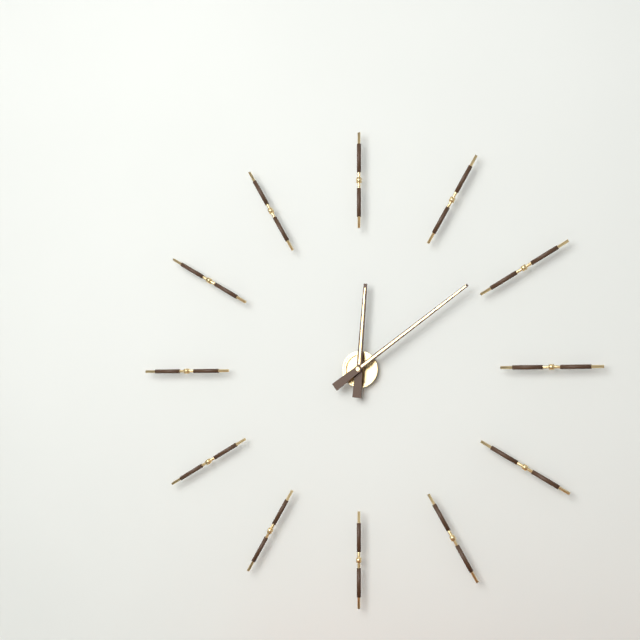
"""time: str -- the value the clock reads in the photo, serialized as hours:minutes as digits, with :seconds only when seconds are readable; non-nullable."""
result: 12:09
